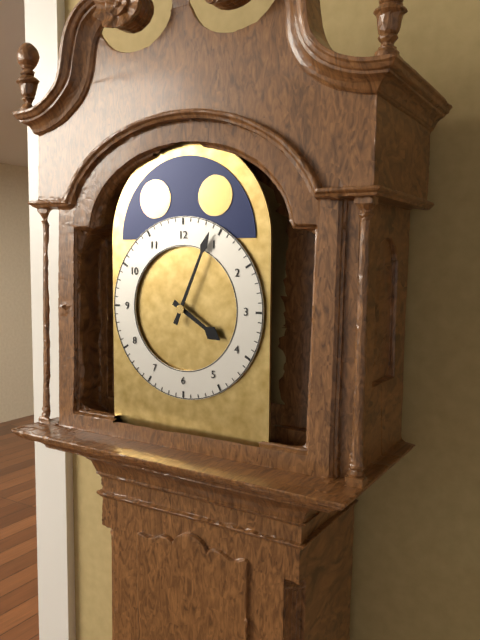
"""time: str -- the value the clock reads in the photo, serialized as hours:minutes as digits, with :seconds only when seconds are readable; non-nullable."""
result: 4:04
